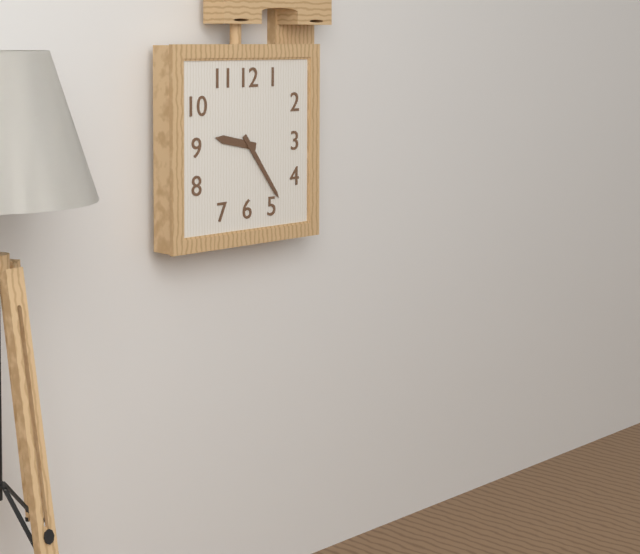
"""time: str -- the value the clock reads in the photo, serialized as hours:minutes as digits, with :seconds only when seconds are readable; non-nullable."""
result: 9:24
